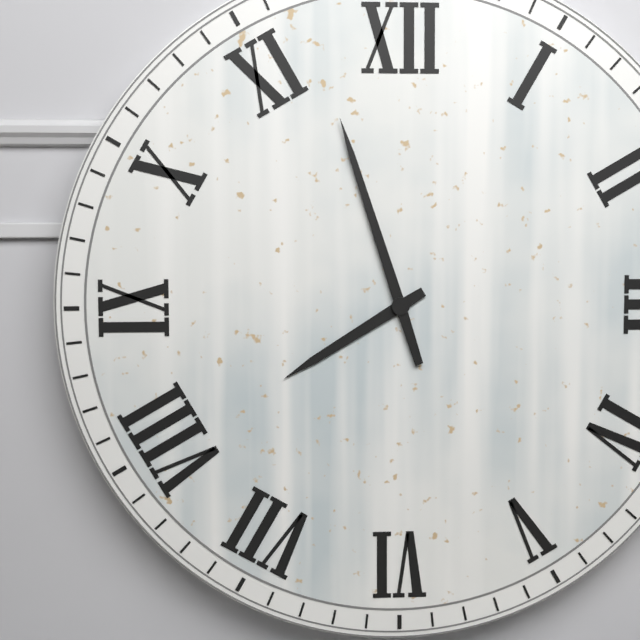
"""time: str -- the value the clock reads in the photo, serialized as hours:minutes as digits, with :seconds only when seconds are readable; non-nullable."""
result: 7:57
